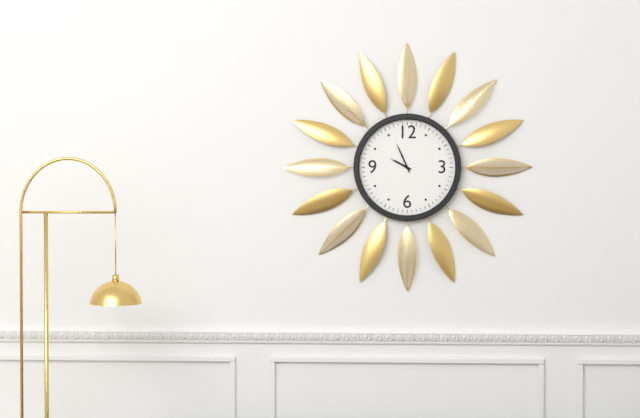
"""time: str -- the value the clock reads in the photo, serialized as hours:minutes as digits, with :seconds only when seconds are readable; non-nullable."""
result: 9:56
